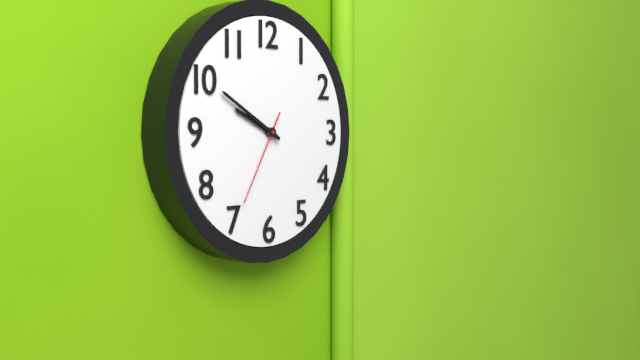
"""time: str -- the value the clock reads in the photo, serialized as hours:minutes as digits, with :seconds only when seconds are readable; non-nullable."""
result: 9:50:35
